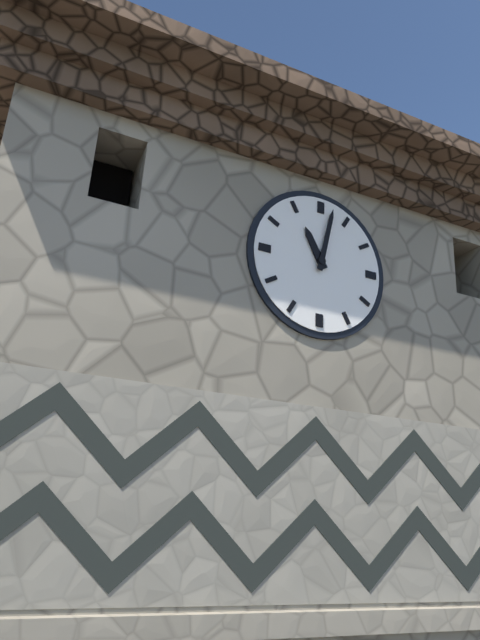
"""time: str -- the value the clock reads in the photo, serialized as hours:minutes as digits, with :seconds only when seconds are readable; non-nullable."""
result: 11:02
